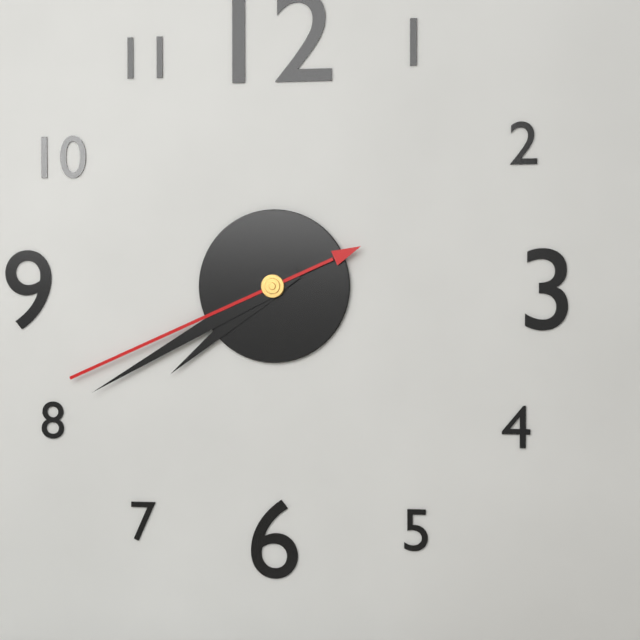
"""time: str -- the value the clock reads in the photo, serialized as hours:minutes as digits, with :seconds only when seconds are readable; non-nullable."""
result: 7:40:41
